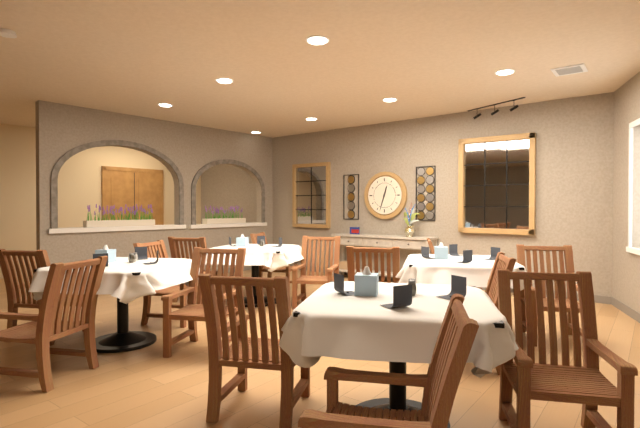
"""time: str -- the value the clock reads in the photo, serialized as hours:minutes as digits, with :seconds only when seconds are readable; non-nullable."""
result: 12:33
